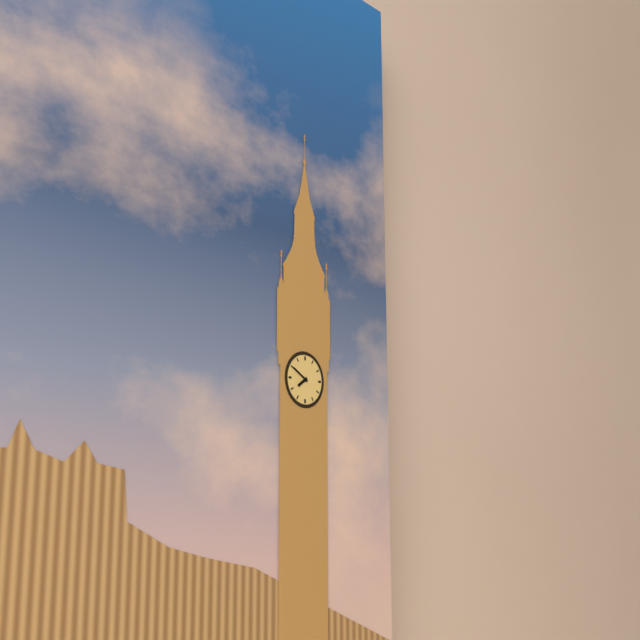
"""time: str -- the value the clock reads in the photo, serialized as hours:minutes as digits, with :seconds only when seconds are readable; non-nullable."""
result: 7:50
